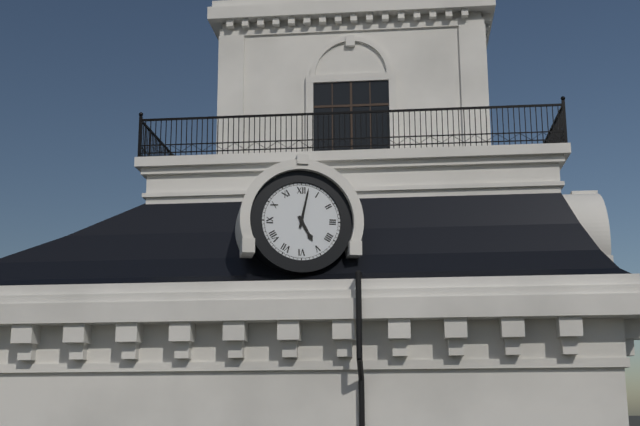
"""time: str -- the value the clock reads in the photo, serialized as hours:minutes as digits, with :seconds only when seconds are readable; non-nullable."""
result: 5:02
